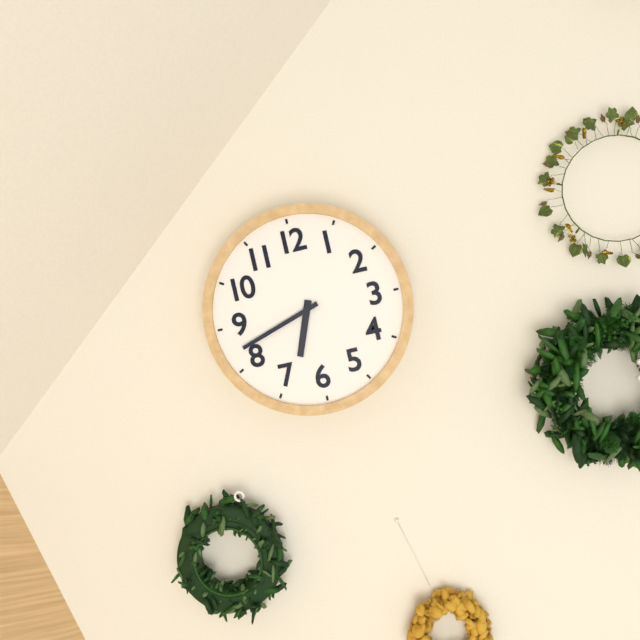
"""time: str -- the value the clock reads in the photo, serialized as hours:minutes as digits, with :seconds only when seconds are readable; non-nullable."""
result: 6:42
